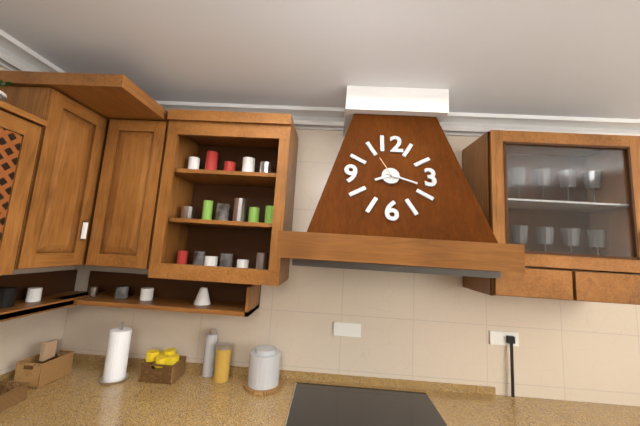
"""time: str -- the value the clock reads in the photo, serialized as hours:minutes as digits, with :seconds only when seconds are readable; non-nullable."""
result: 8:18
